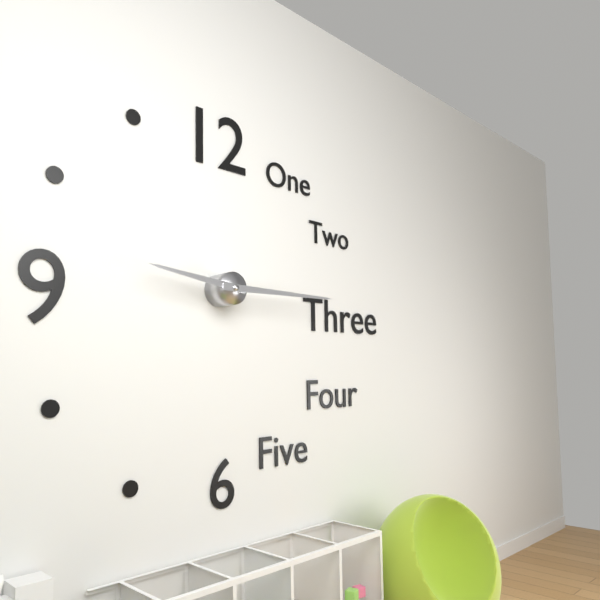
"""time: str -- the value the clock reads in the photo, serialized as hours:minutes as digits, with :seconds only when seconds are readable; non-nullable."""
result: 9:15
